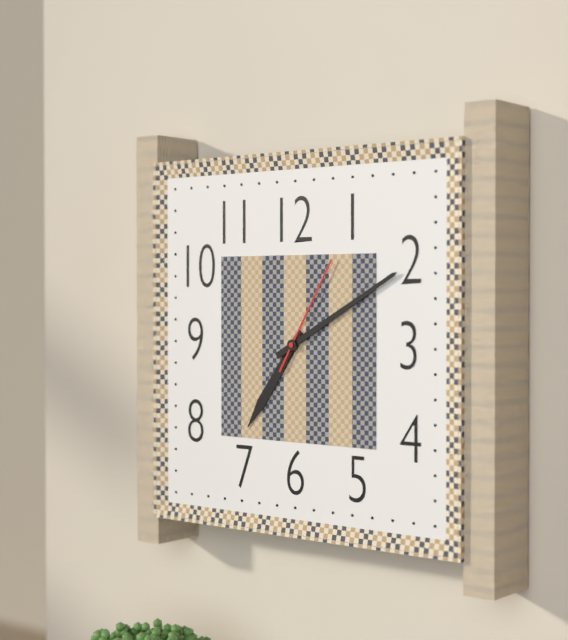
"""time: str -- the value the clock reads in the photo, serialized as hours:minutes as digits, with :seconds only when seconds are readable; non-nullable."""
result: 7:10:05
